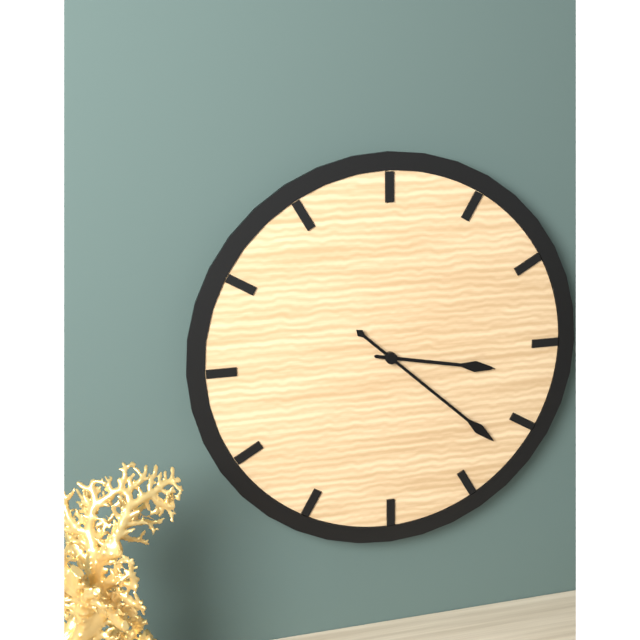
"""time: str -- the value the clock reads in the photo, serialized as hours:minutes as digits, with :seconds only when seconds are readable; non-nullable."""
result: 3:22
